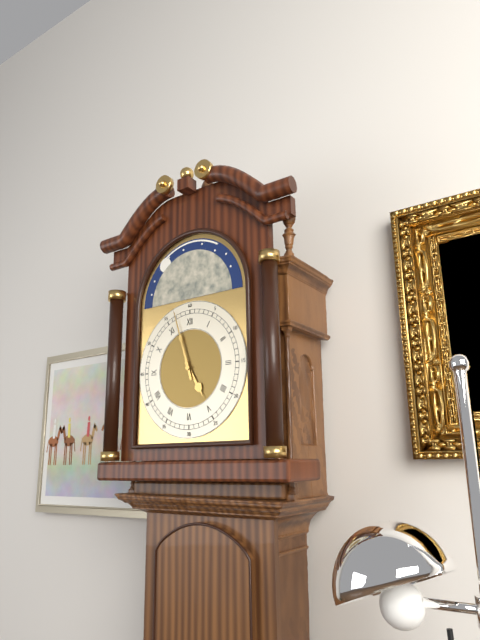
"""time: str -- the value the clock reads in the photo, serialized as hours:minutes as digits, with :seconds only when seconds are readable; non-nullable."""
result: 4:57
